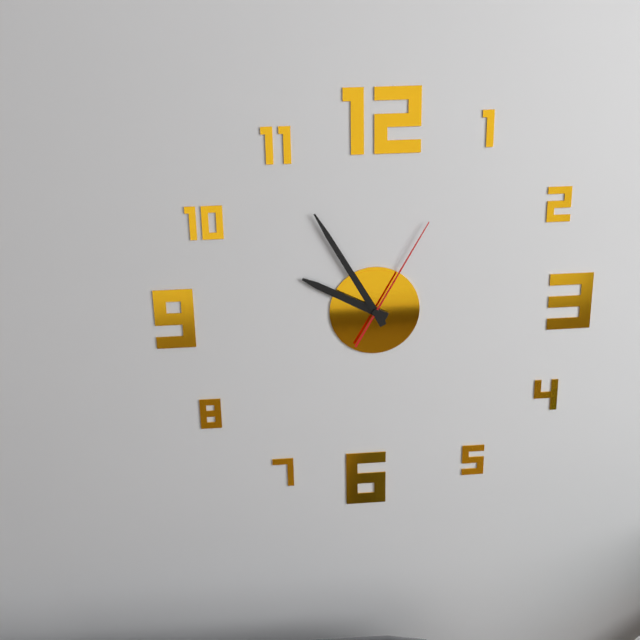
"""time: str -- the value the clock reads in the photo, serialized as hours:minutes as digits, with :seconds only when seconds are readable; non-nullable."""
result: 9:55:05
